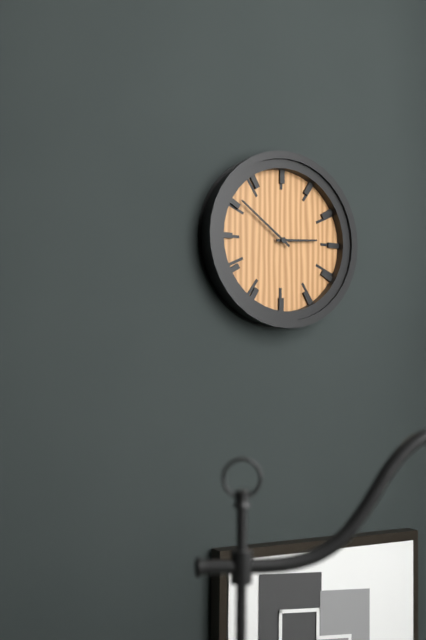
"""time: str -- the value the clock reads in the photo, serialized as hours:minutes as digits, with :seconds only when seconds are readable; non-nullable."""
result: 2:51
